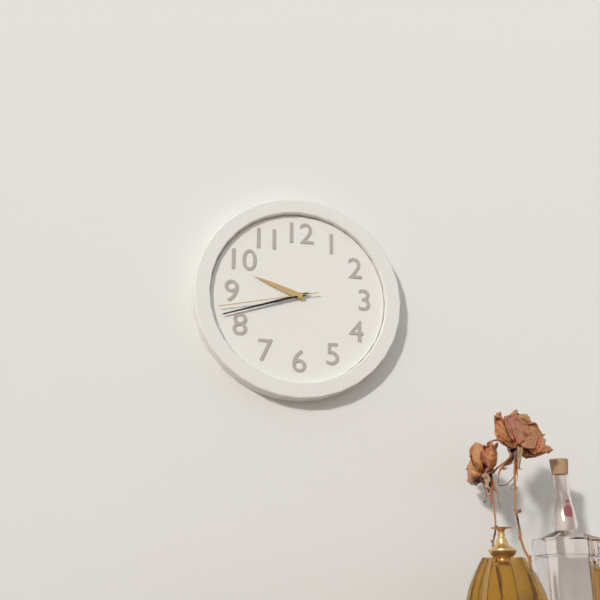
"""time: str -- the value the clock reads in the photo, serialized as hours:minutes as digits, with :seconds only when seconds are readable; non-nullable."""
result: 9:42:43
